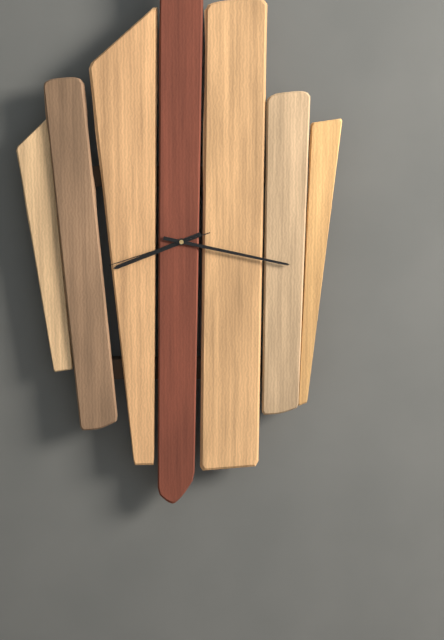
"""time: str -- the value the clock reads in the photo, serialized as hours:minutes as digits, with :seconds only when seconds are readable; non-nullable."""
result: 8:17:42
